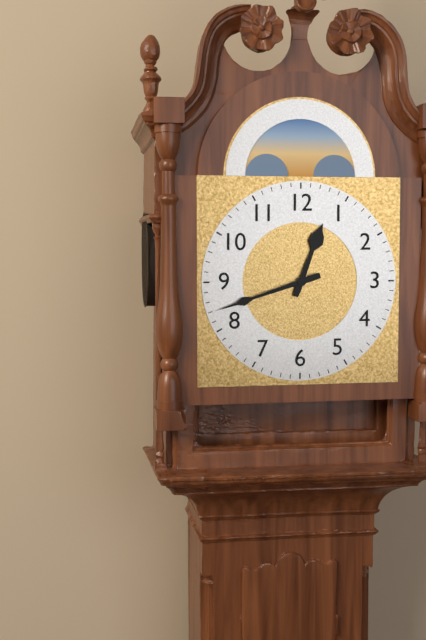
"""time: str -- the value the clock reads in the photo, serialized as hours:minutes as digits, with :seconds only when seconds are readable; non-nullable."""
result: 12:42
